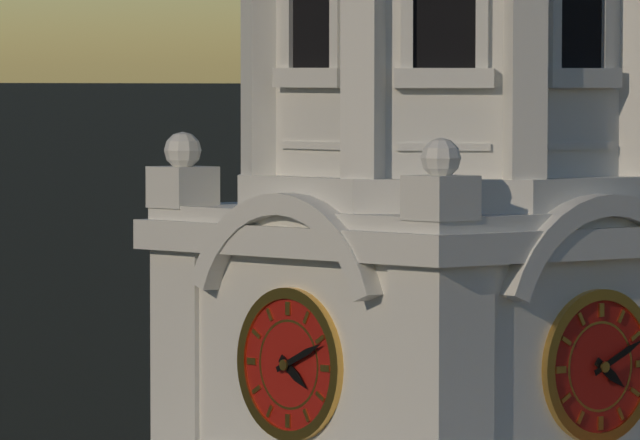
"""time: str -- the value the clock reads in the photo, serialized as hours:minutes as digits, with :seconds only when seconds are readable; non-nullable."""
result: 4:11
